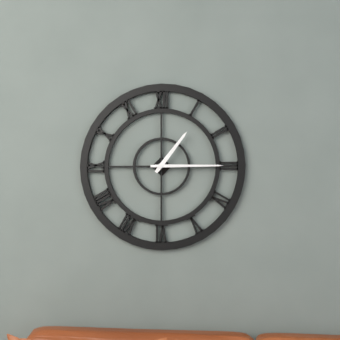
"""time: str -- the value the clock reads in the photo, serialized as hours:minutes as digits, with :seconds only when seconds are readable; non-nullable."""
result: 1:15
